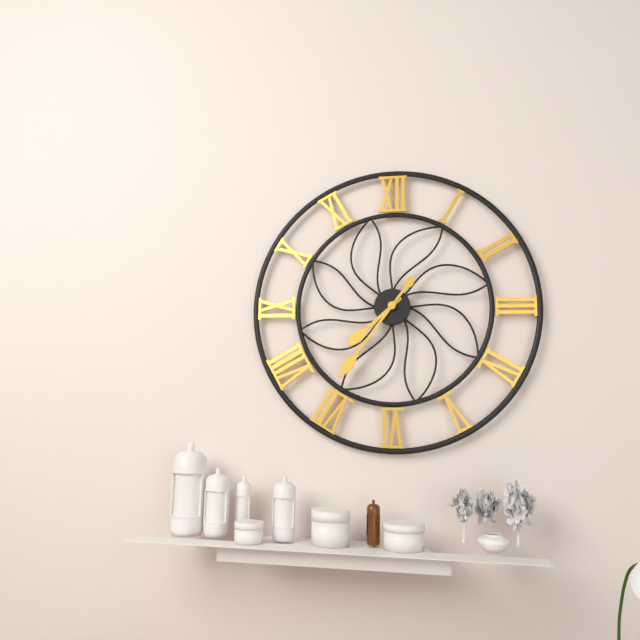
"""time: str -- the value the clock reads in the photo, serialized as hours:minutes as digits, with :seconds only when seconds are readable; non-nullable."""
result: 7:36
